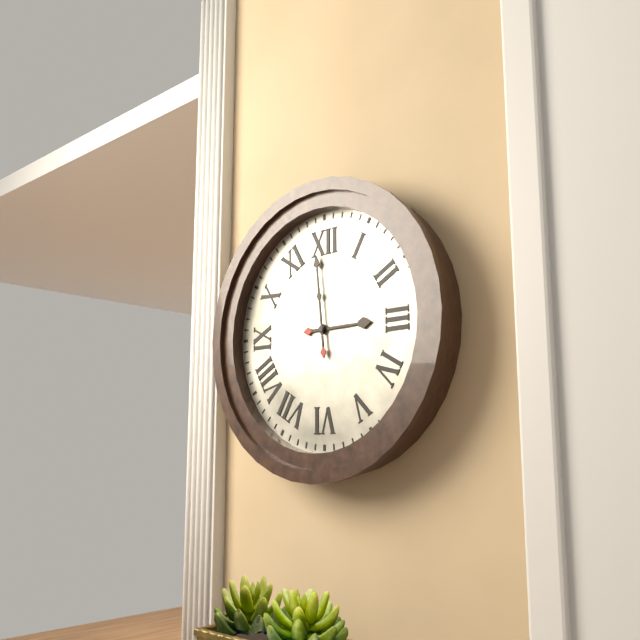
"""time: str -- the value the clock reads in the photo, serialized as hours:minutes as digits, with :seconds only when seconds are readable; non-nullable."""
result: 2:59
